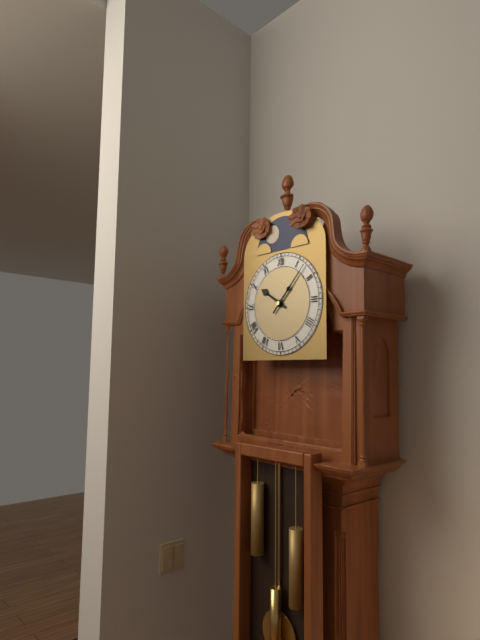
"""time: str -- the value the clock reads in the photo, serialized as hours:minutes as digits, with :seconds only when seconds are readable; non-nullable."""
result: 10:07
